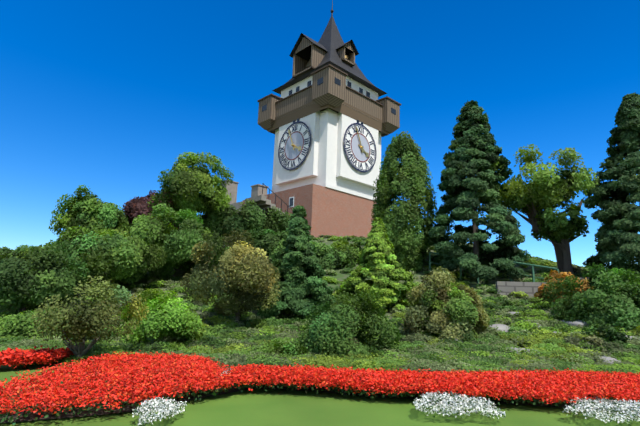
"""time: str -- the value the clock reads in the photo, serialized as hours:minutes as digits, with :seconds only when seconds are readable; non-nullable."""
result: 3:56
